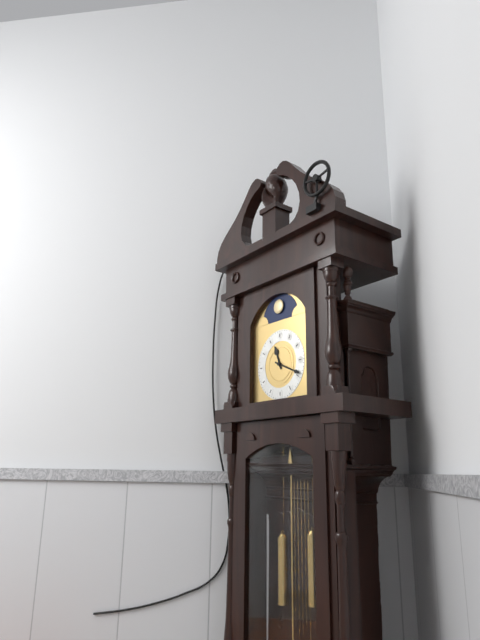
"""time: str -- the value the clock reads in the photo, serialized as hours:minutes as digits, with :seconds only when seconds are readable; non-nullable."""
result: 11:19
